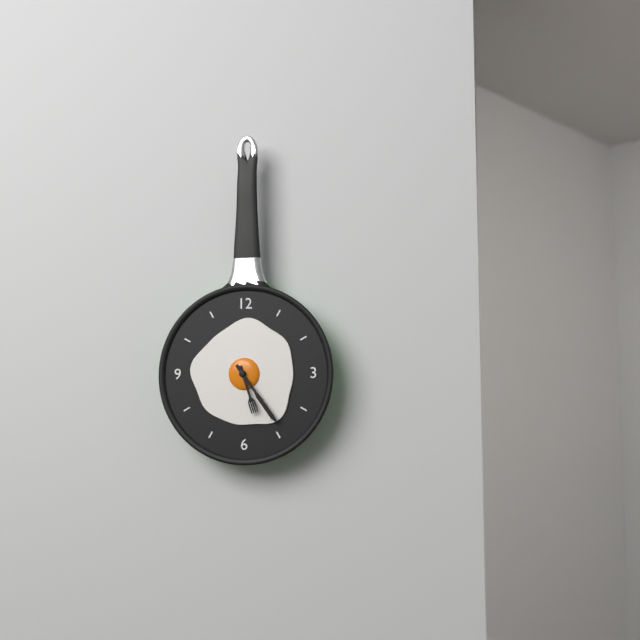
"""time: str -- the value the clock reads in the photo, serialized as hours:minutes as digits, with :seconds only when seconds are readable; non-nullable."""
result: 5:24
